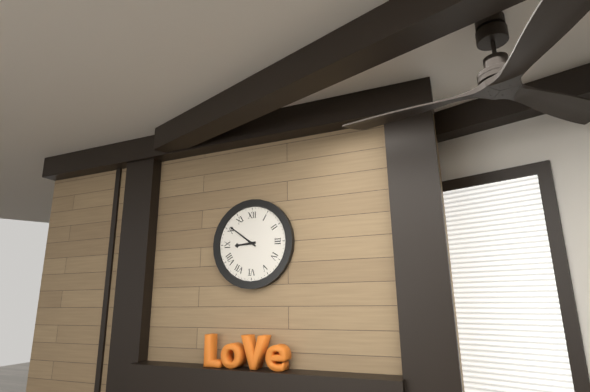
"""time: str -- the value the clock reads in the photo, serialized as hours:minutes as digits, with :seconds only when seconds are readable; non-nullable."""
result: 8:51
